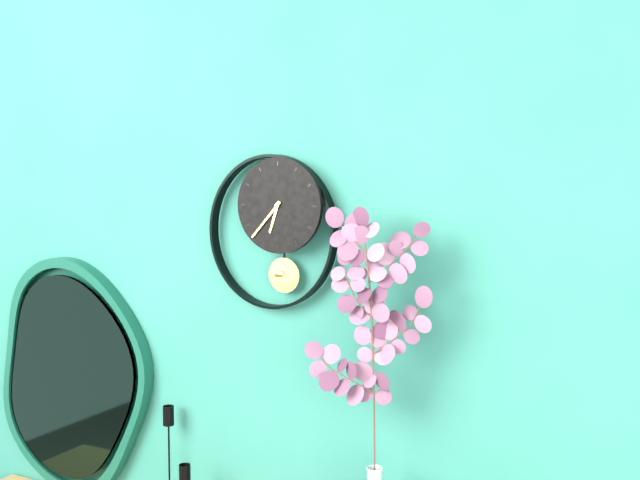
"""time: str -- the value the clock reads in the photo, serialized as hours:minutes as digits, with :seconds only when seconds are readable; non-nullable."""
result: 6:37
